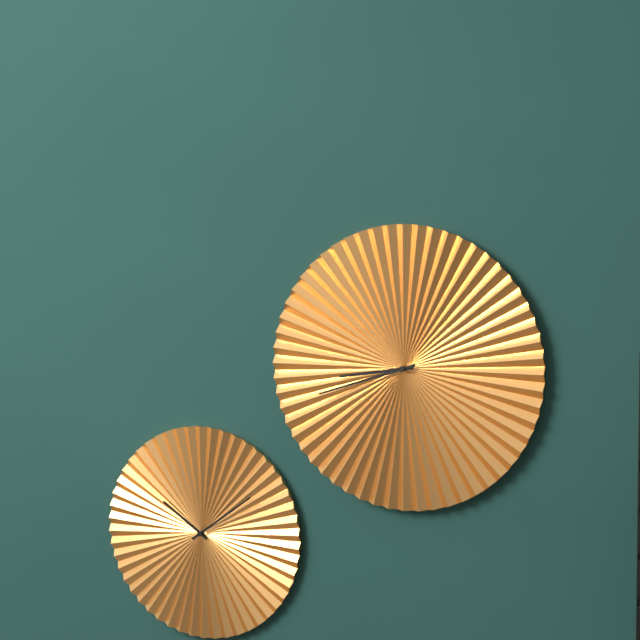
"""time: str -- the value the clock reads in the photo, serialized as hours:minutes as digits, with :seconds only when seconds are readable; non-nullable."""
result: 8:42
